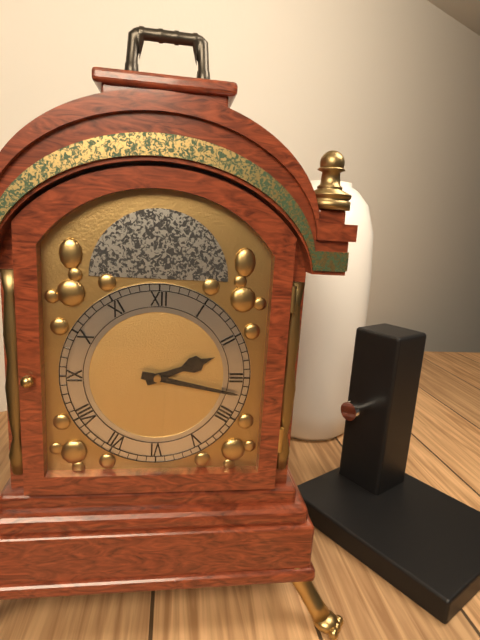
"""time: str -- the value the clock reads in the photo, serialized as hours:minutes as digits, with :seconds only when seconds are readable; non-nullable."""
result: 2:17
